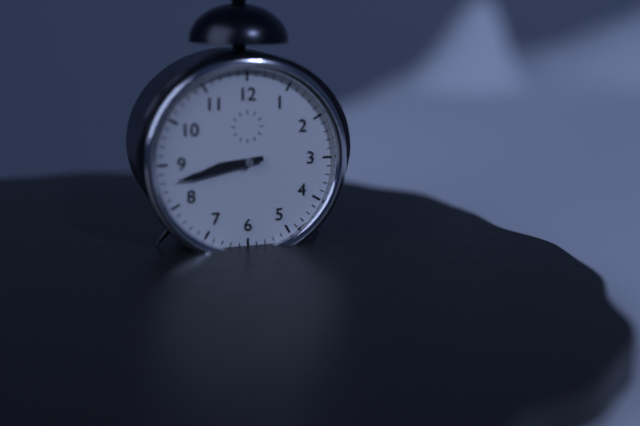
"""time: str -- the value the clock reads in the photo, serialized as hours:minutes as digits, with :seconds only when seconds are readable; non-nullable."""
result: 8:43
